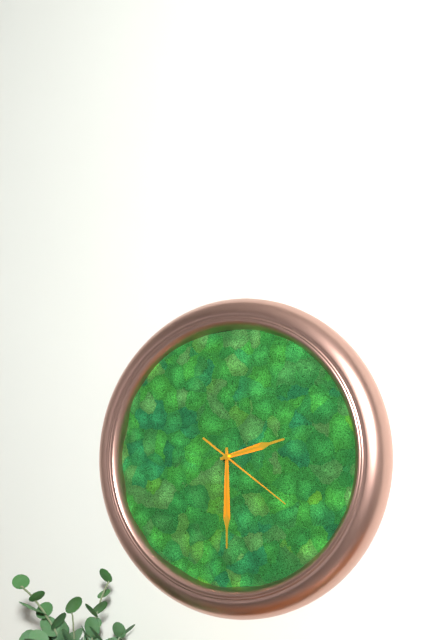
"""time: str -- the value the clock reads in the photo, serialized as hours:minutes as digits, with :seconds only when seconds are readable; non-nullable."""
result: 2:30:21
